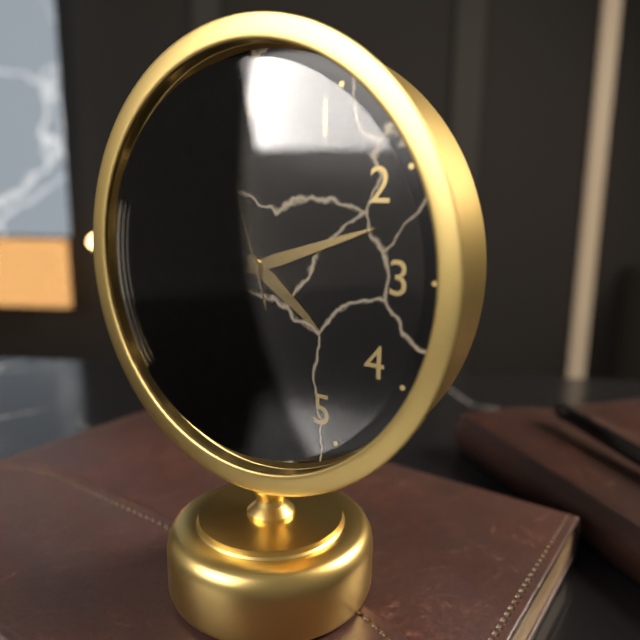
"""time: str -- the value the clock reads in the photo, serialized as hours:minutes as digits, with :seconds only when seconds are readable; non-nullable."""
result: 4:12:57
